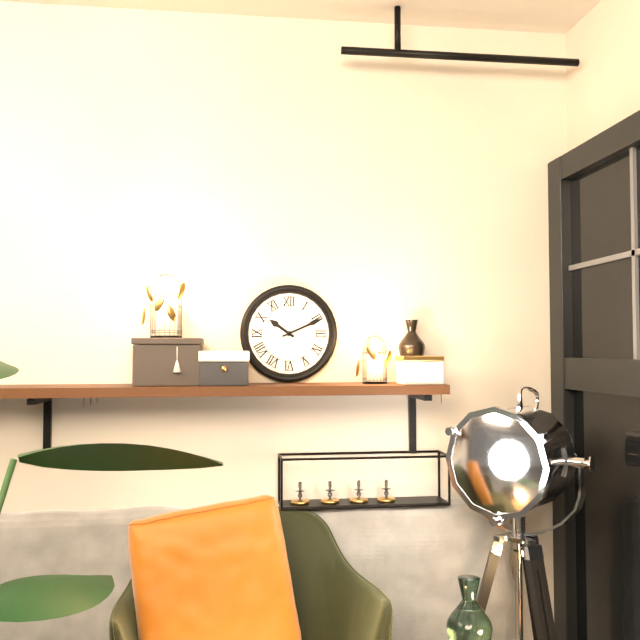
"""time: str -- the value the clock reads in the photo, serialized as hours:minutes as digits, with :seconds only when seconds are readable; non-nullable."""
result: 10:11
